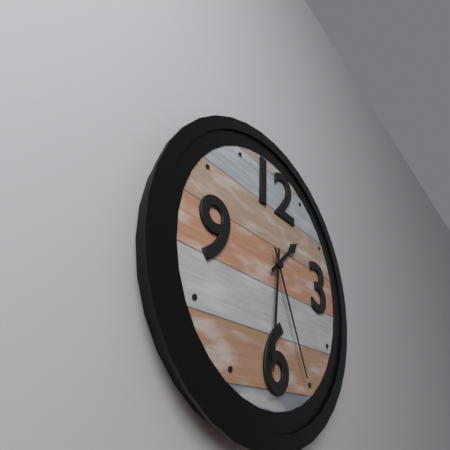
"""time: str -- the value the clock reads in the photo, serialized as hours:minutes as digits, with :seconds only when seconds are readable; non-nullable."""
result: 1:31:26
